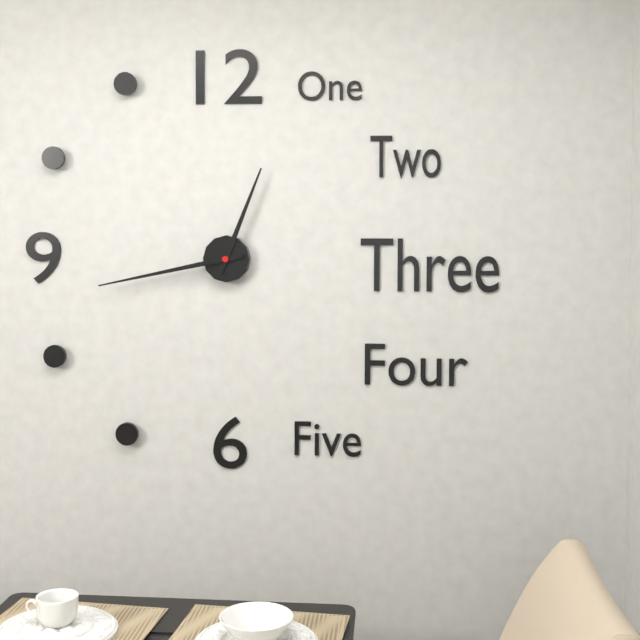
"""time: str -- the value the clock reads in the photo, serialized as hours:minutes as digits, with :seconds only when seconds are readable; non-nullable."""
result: 12:43
